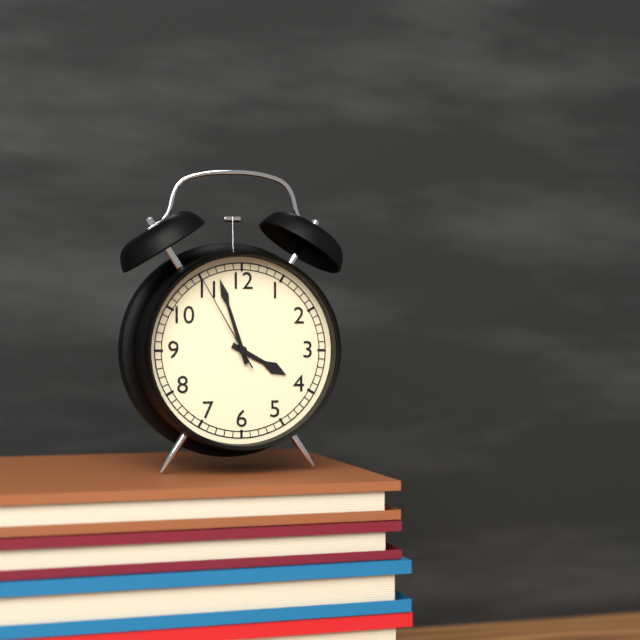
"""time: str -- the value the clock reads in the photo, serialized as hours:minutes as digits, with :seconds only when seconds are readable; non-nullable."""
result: 3:57:55
